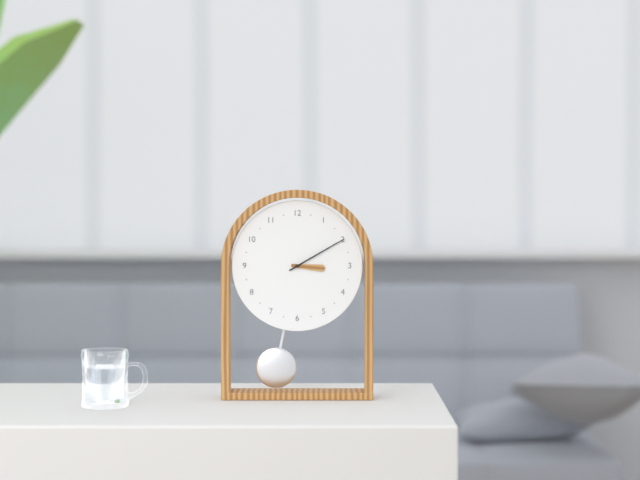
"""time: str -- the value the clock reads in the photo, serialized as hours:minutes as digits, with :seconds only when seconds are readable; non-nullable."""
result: 3:10
